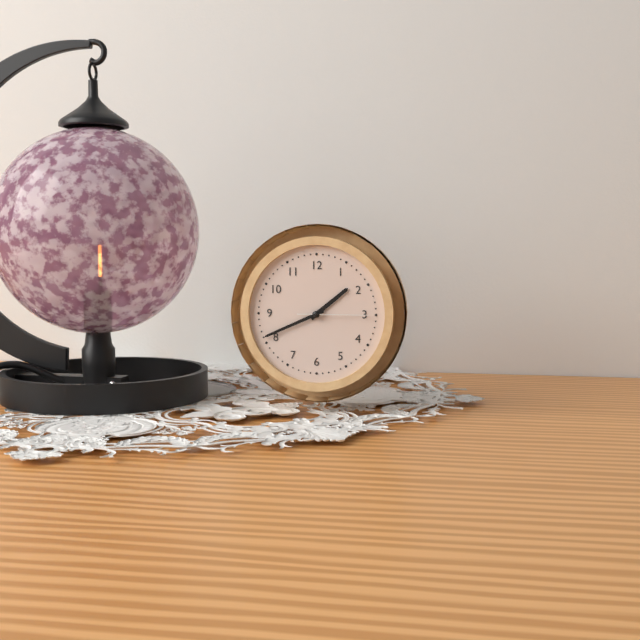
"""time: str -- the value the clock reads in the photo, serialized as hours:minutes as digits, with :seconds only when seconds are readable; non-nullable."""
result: 1:41:15
